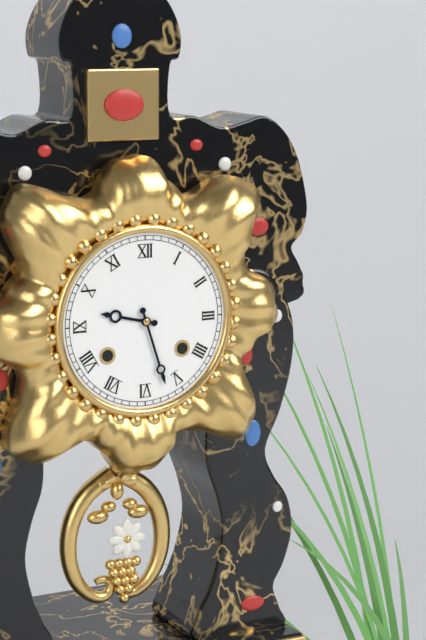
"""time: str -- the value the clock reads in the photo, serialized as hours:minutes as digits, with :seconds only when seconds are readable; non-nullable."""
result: 9:27
